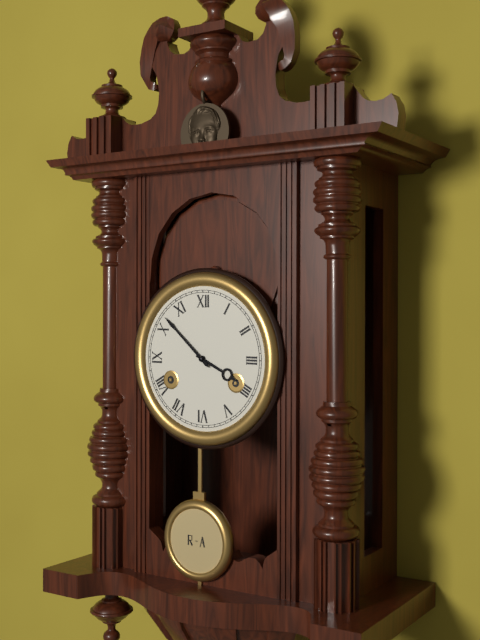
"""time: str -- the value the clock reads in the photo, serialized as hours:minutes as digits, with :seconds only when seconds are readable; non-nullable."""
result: 3:52
